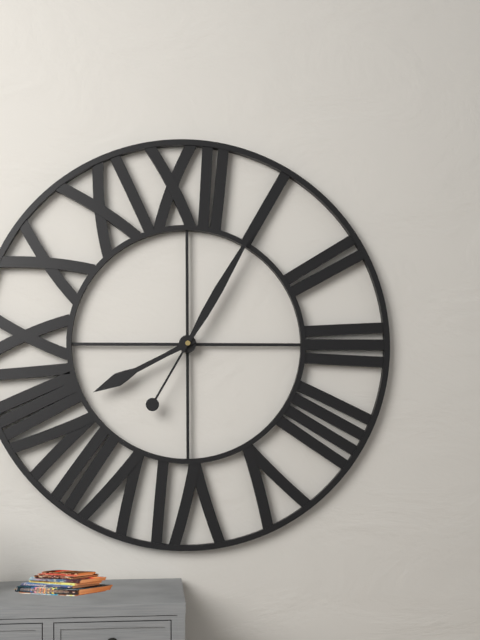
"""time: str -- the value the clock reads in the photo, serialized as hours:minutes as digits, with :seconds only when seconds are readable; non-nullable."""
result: 8:05
